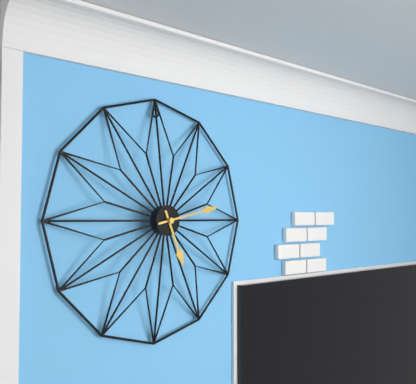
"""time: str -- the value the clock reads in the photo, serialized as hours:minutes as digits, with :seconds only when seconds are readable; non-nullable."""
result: 5:13
